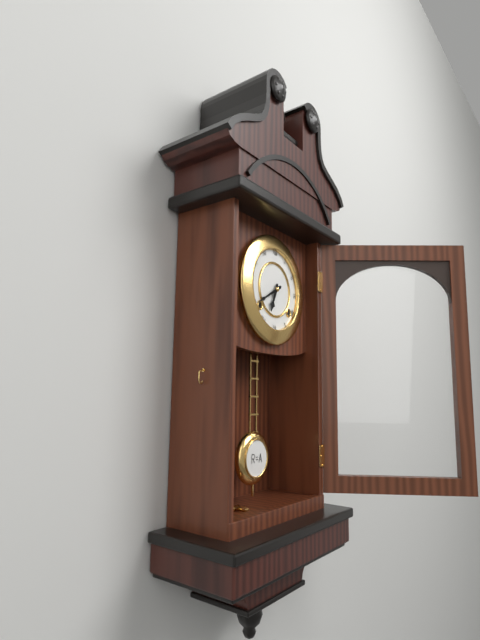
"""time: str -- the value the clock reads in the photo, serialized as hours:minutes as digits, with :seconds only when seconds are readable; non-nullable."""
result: 6:40
